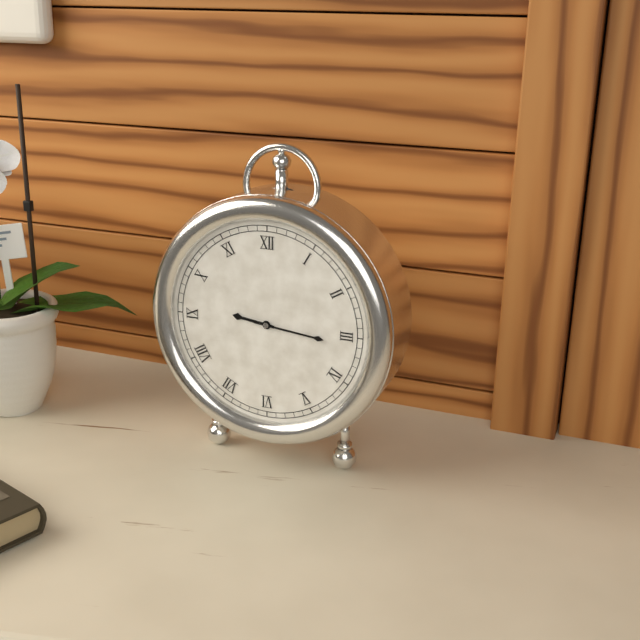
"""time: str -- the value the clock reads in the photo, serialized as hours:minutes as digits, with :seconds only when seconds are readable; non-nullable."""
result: 9:16
